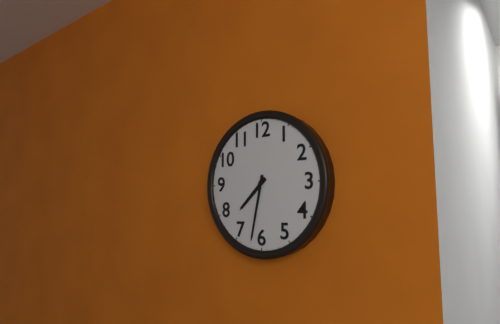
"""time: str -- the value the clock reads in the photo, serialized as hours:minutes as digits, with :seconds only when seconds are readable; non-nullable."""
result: 7:32
